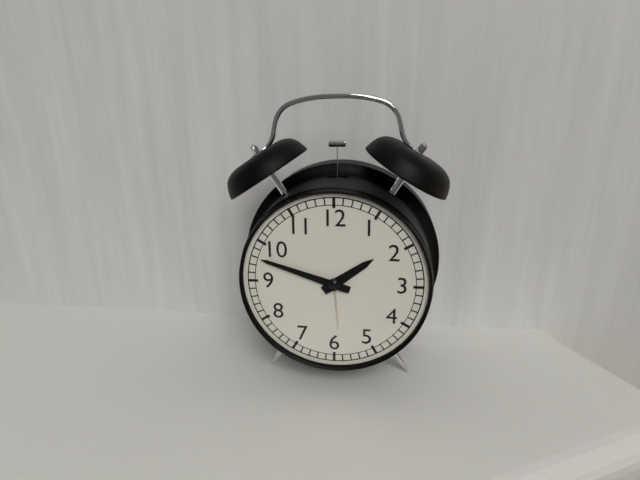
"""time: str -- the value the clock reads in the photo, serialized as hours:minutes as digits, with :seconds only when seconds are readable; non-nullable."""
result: 1:48
